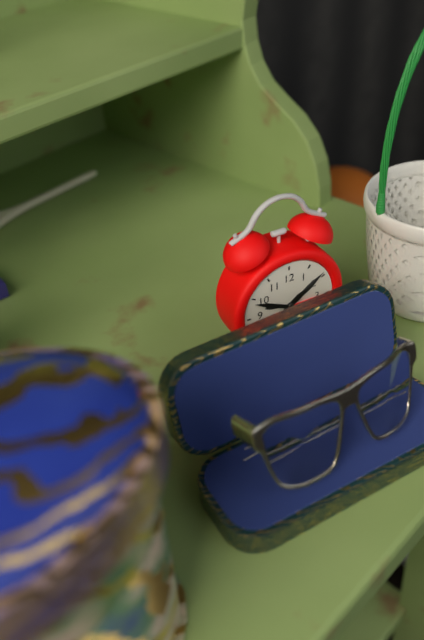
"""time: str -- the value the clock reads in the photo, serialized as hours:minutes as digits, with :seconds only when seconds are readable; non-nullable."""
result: 1:49
